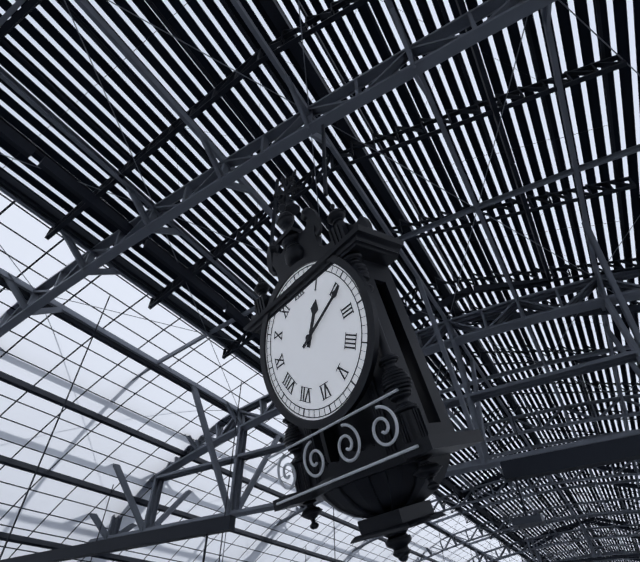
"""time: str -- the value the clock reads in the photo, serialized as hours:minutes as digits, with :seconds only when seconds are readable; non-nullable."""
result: 1:11
